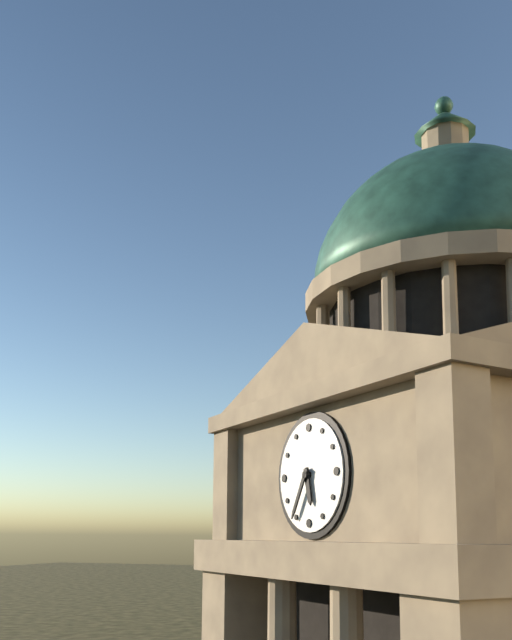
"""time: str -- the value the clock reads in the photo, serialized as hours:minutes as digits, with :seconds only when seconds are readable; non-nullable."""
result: 5:35
